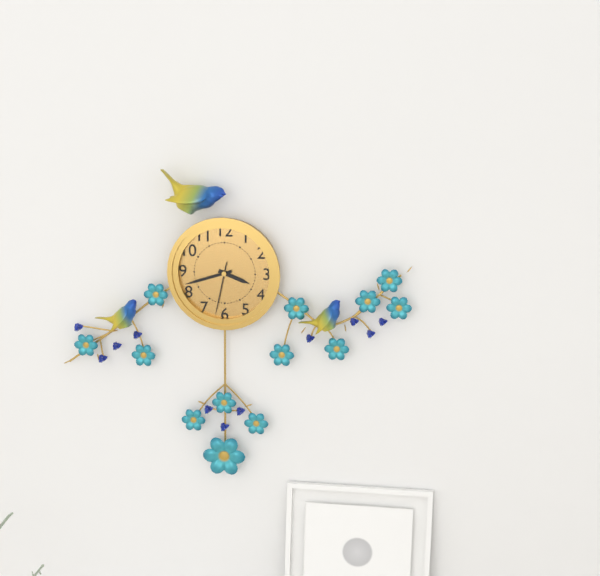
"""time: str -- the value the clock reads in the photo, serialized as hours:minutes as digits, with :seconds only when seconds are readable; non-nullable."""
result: 3:42:32
